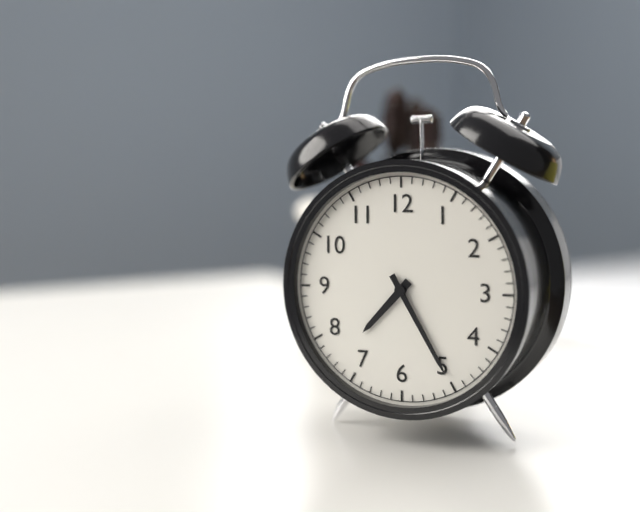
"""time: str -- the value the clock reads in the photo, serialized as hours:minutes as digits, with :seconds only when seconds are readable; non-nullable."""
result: 7:25
